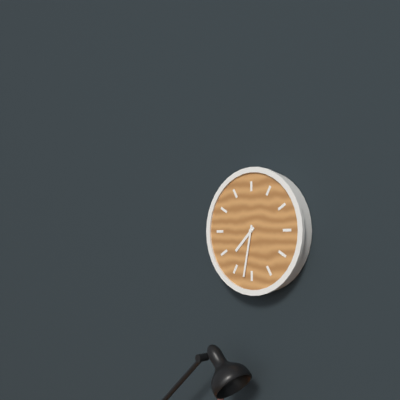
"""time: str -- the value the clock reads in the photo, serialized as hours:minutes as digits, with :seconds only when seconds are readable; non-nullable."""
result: 7:32
